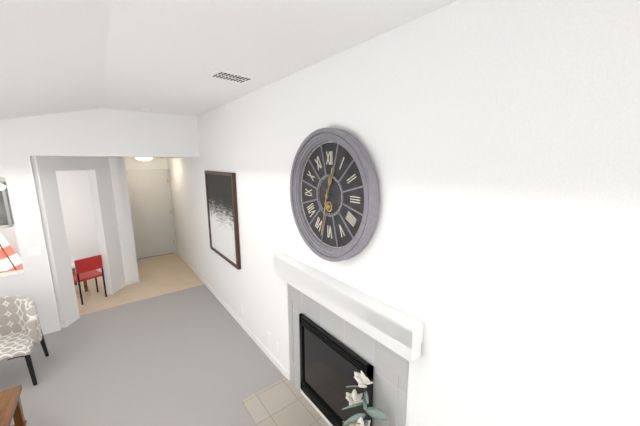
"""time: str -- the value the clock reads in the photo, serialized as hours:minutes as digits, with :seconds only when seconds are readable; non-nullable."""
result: 12:32
